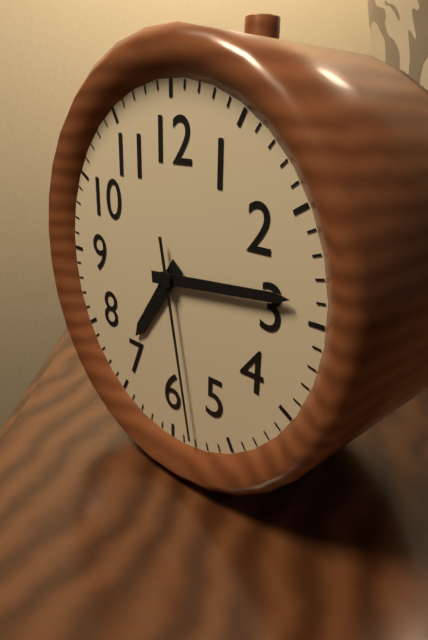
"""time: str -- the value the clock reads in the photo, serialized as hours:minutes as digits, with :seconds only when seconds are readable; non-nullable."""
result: 7:14:28
